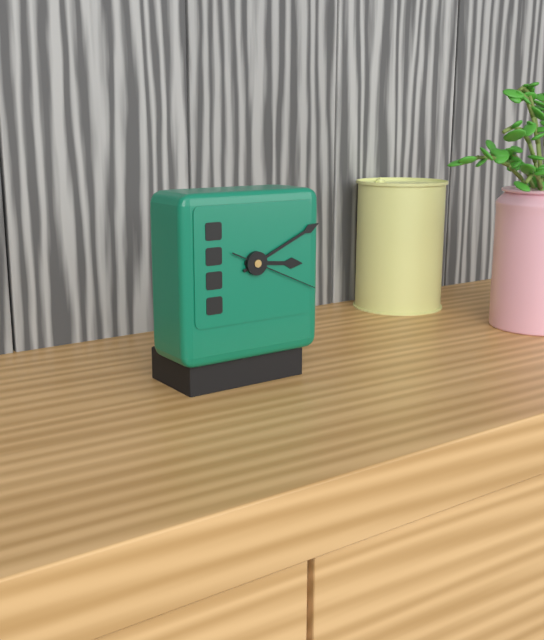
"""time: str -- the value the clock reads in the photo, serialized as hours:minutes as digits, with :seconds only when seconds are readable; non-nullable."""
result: 3:11:19
